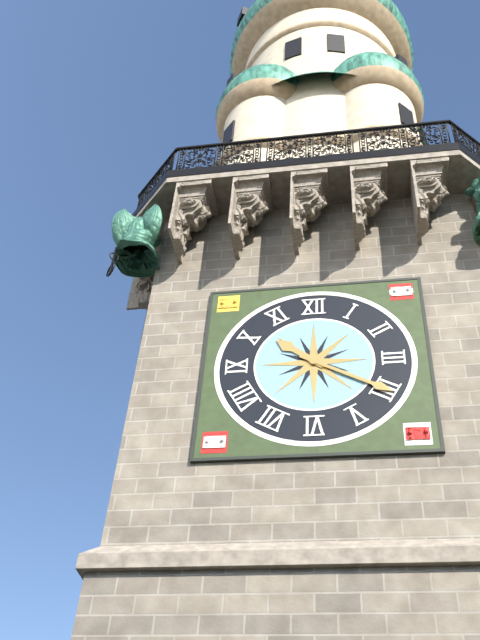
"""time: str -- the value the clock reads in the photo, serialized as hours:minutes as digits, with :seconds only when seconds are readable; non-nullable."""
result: 10:20
